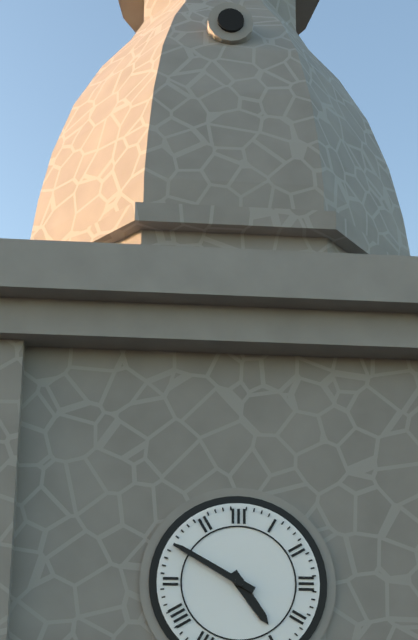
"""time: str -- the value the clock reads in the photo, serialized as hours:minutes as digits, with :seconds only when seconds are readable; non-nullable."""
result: 4:50
